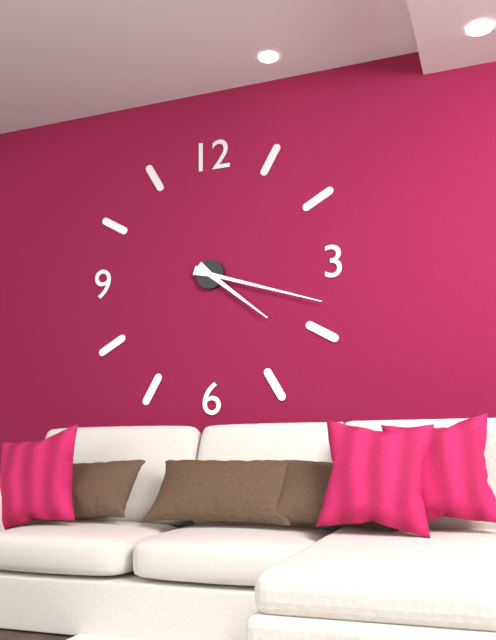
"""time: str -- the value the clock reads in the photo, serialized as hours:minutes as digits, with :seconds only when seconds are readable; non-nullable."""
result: 4:18
